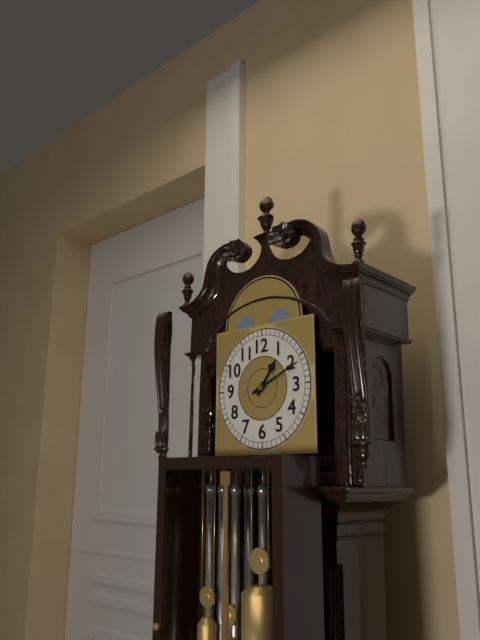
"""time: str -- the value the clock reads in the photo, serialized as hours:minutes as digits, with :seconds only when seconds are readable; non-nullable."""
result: 1:11
